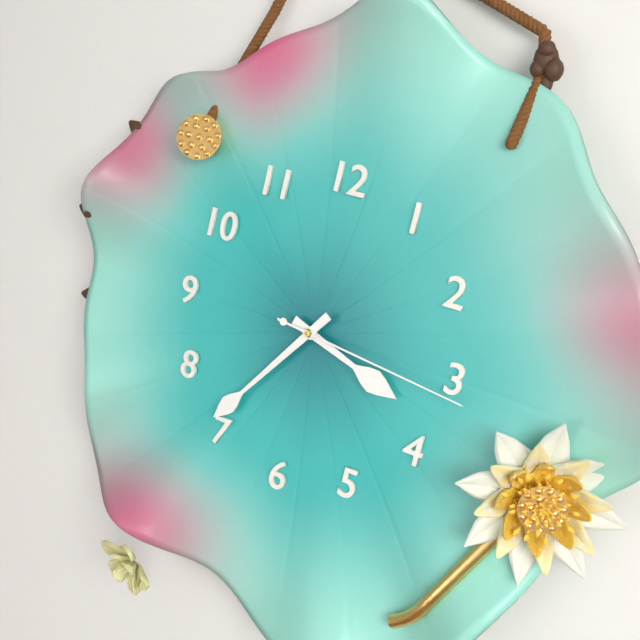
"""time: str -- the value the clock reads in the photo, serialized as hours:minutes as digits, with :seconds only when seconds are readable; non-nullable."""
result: 3:36:16
